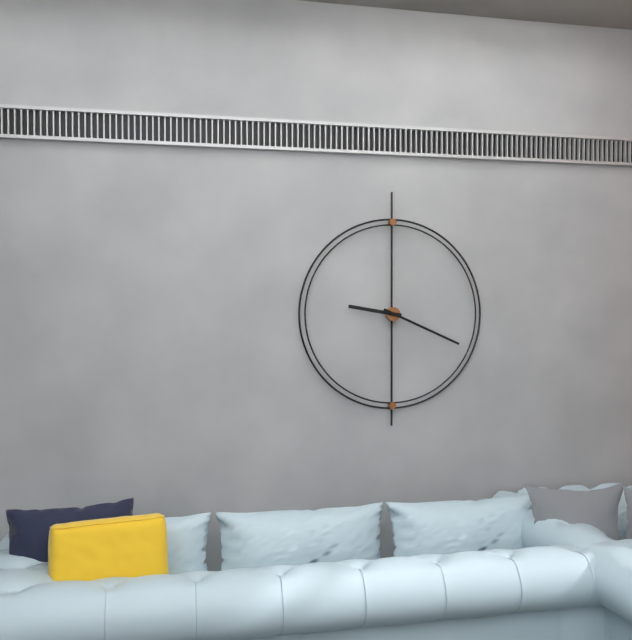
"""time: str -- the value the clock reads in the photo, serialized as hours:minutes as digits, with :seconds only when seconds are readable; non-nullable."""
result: 9:19
